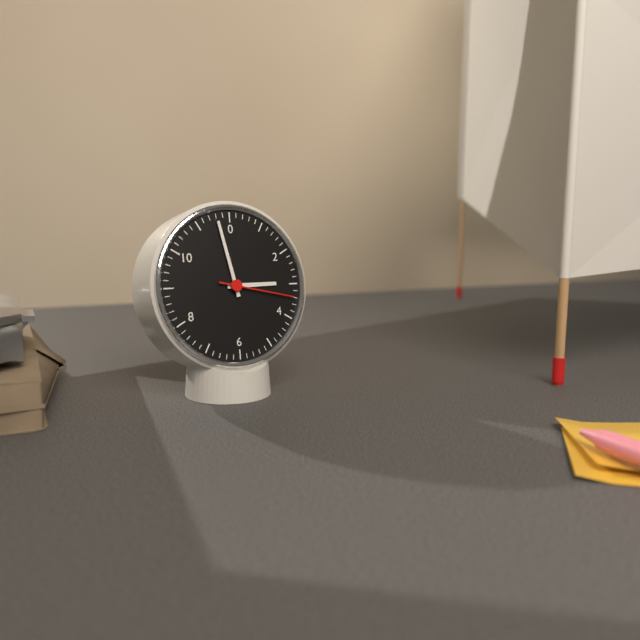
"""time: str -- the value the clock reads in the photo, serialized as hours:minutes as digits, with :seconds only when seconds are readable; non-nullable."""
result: 2:58:17
